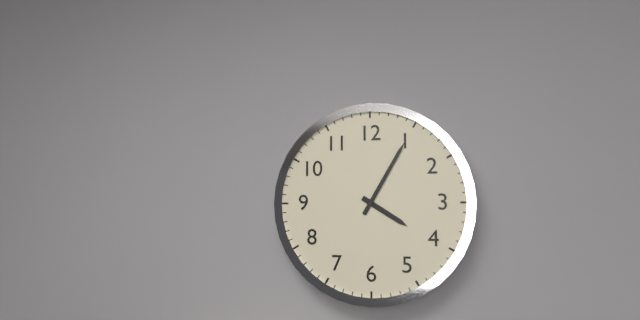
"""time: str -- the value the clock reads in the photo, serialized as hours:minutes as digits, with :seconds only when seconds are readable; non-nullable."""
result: 4:05
